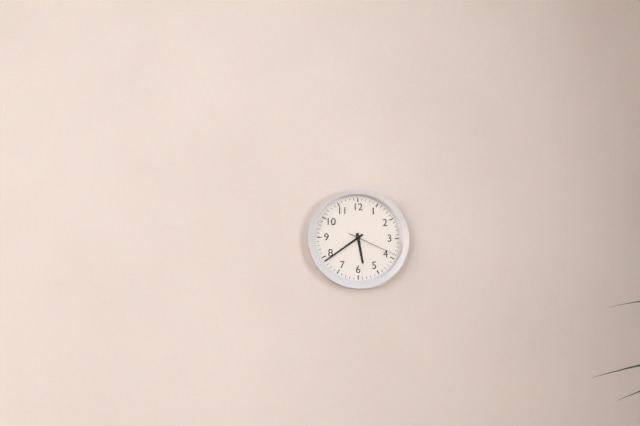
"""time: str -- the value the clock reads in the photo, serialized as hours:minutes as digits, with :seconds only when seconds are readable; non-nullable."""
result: 5:39:19
